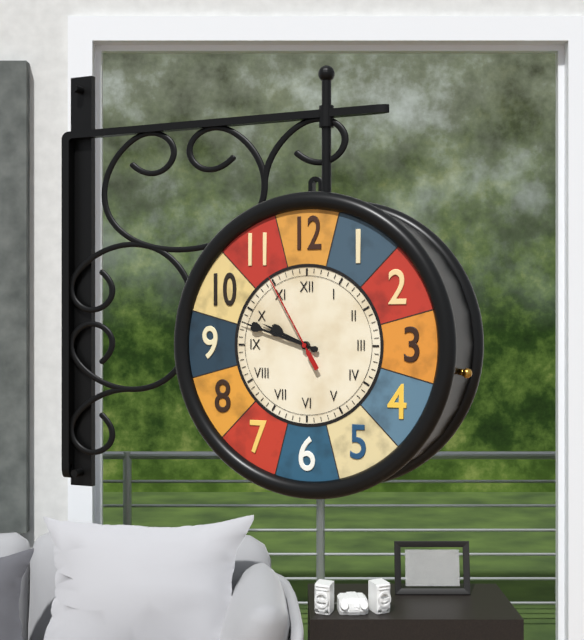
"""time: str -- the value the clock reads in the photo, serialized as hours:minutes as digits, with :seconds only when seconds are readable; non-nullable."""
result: 9:48:55
